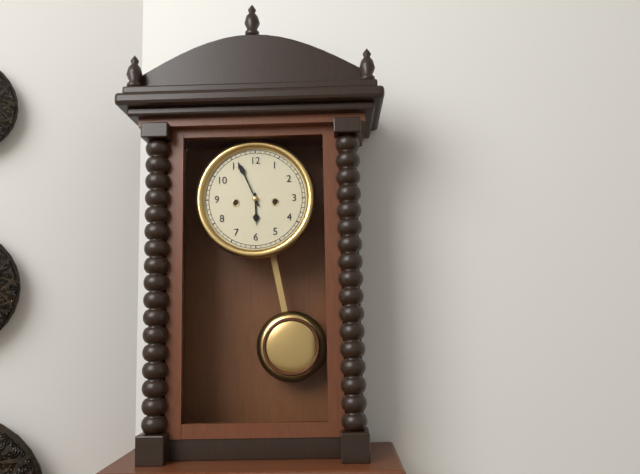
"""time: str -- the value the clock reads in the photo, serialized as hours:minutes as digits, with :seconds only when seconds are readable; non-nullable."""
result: 5:56
